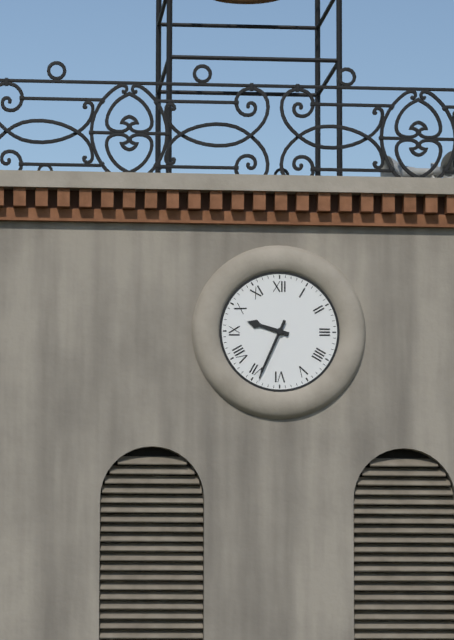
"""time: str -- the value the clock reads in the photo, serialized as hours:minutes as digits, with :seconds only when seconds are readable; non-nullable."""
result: 9:34
